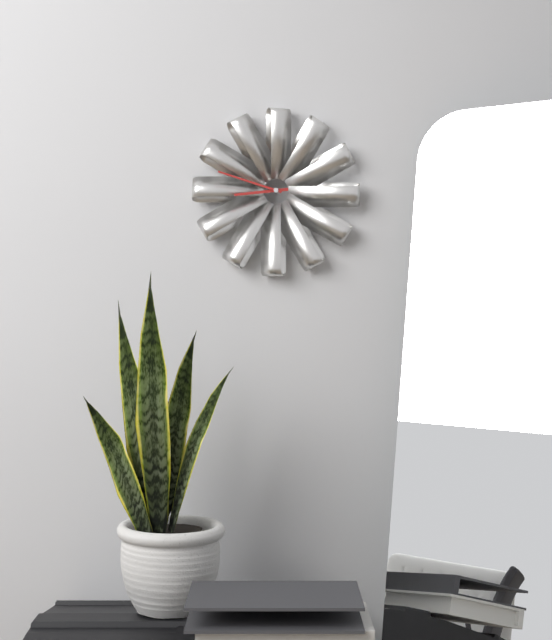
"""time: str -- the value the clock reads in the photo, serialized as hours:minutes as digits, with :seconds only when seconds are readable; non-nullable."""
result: 8:48
